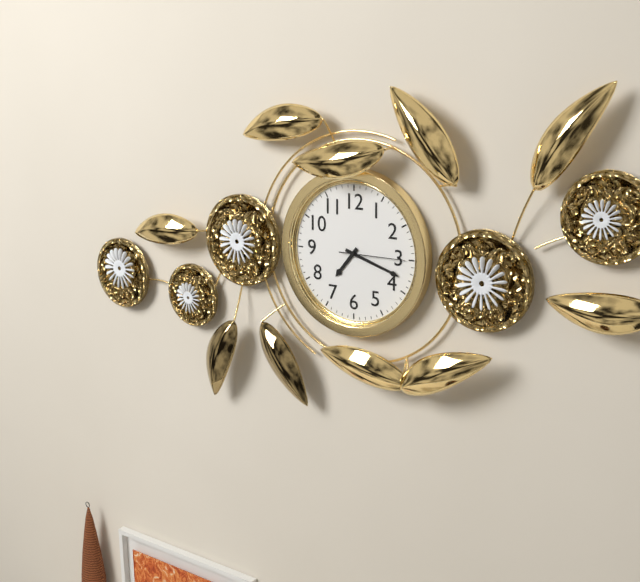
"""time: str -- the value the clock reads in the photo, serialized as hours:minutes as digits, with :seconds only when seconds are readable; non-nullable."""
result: 7:18:15
